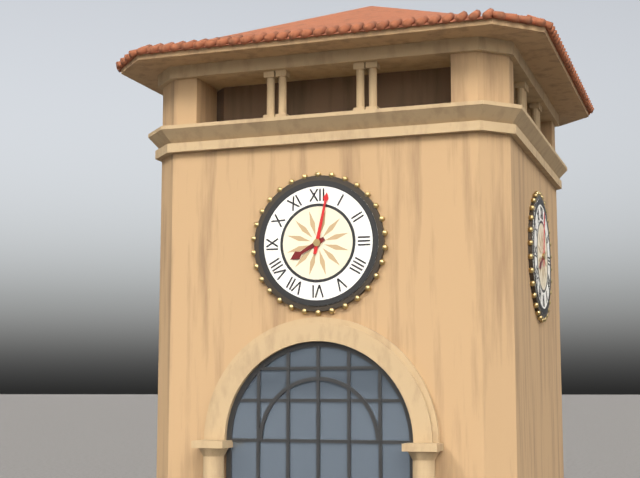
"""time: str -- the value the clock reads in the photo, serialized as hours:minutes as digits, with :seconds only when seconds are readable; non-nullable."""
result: 8:02
